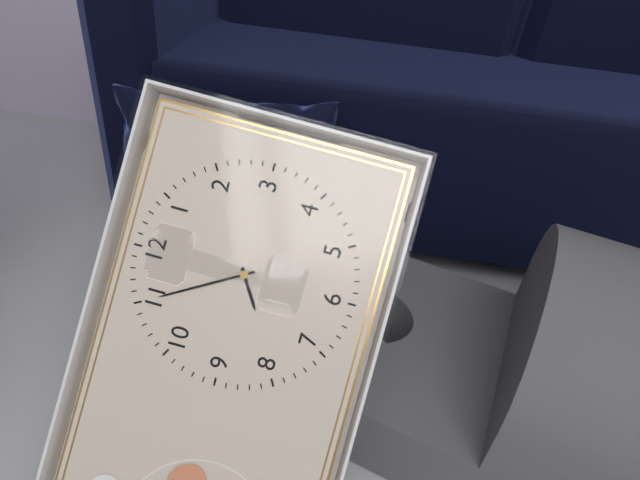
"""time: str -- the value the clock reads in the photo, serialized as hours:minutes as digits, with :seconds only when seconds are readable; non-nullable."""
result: 7:55
